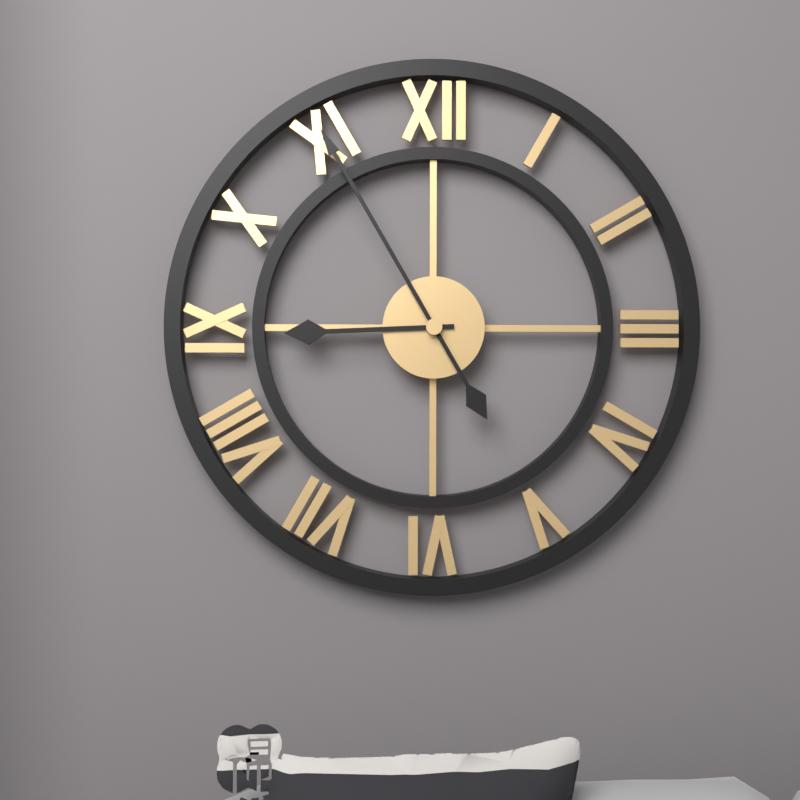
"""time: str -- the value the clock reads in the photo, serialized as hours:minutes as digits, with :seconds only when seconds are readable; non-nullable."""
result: 8:55
